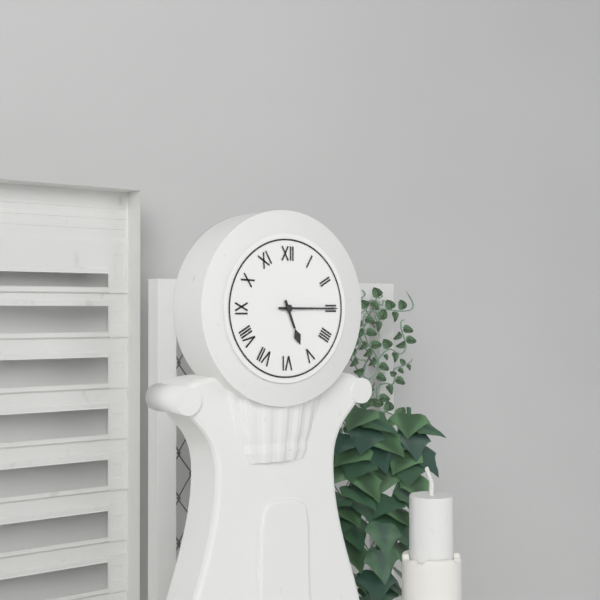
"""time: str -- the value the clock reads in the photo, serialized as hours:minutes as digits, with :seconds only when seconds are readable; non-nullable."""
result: 5:15
